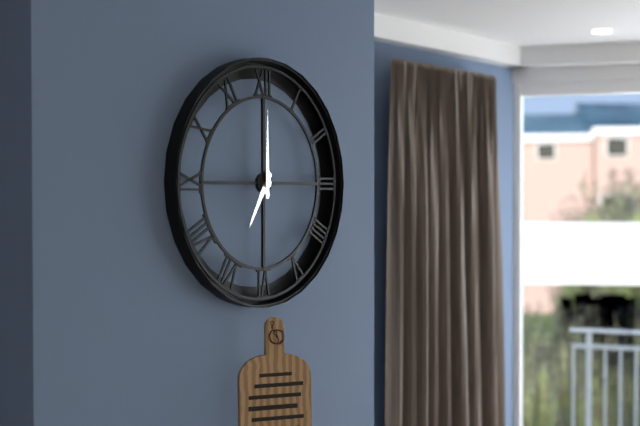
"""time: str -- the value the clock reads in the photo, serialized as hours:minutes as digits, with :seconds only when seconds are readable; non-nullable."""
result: 7:00
